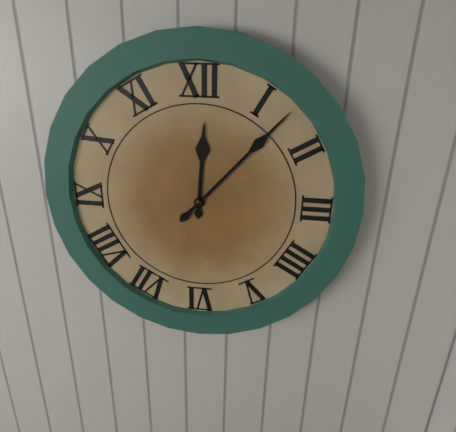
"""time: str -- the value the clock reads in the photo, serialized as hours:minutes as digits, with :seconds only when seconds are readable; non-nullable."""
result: 12:07
